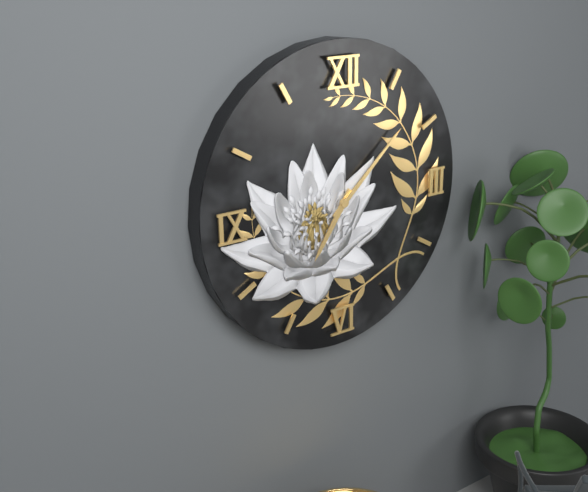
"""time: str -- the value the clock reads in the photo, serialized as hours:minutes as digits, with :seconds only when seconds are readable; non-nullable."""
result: 7:08
